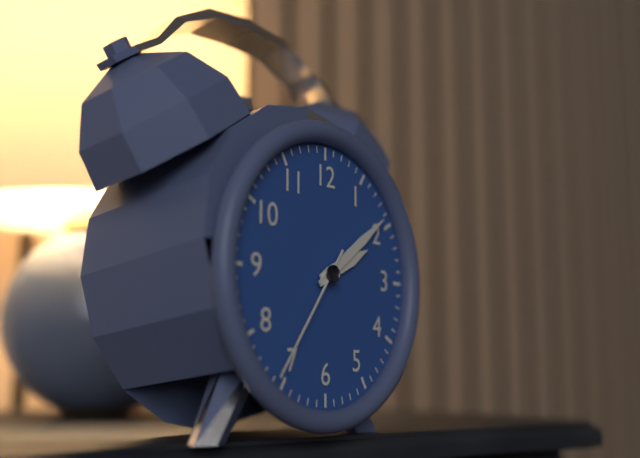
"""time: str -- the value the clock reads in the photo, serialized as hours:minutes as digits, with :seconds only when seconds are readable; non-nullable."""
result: 2:09:36
